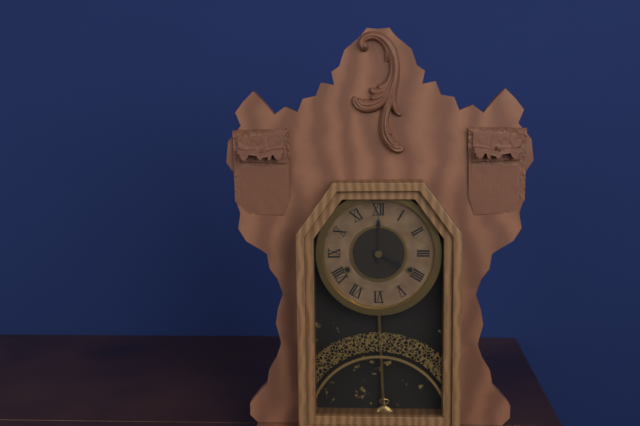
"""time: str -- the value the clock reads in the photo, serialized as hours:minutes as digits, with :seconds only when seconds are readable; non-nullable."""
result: 4:00
